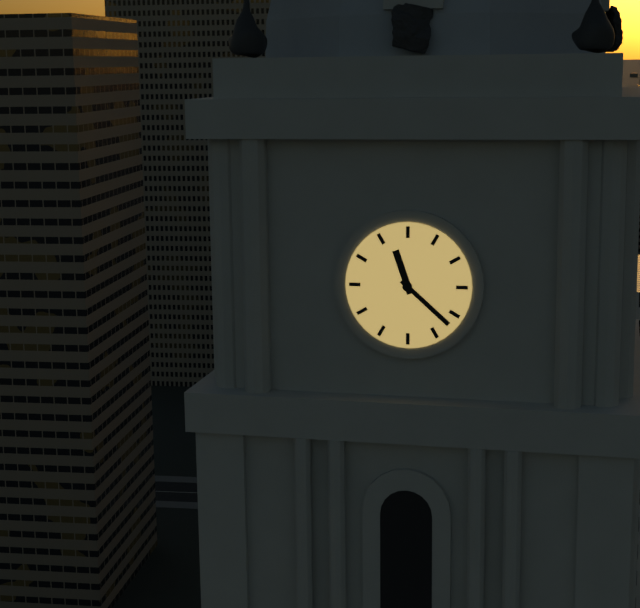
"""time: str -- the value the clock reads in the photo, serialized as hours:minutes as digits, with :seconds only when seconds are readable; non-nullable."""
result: 11:22
